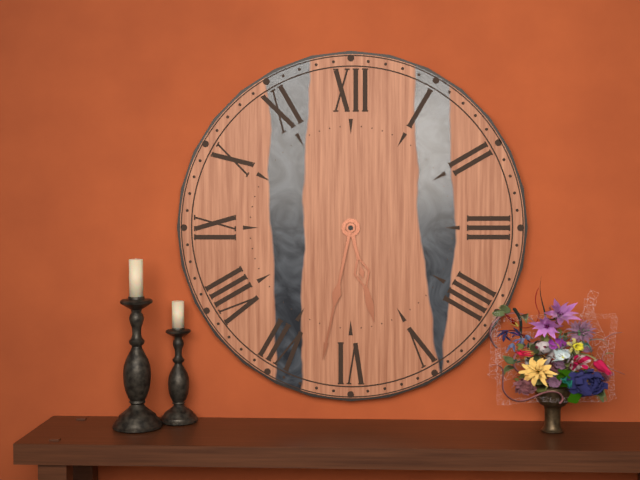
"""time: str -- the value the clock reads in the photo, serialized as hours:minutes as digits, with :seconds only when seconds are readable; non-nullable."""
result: 5:32
